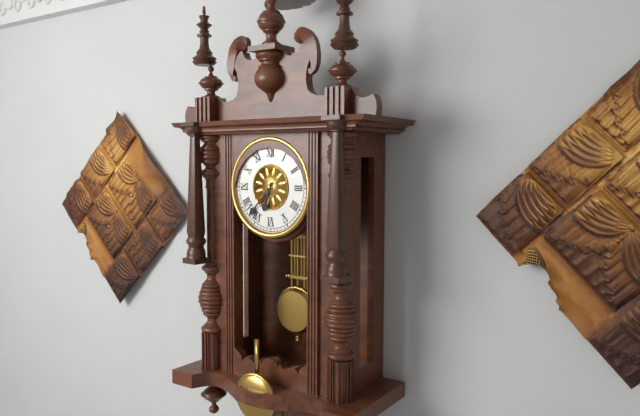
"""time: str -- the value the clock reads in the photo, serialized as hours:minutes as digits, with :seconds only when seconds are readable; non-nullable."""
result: 6:37
